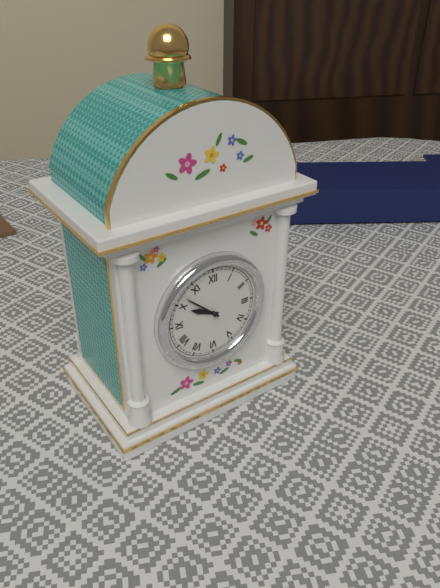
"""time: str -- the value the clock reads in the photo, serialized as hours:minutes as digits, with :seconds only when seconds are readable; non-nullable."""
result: 9:52
